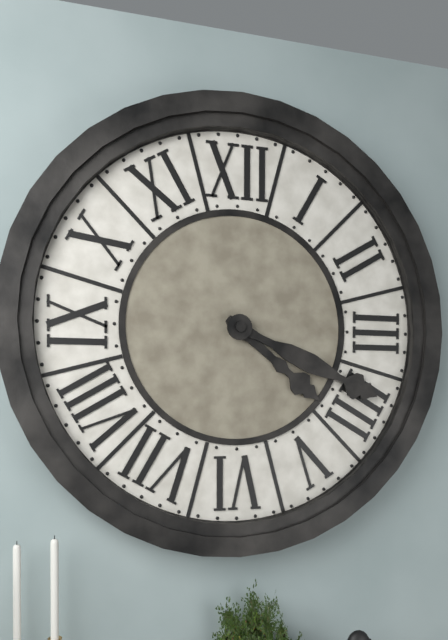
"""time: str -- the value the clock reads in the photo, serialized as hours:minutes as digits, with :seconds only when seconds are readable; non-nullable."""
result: 4:19
